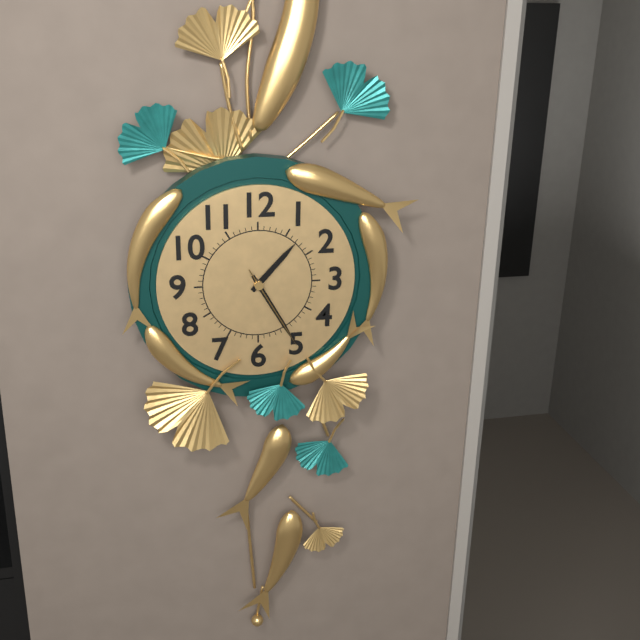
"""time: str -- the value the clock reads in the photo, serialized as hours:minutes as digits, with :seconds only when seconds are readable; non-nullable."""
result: 1:25:25
